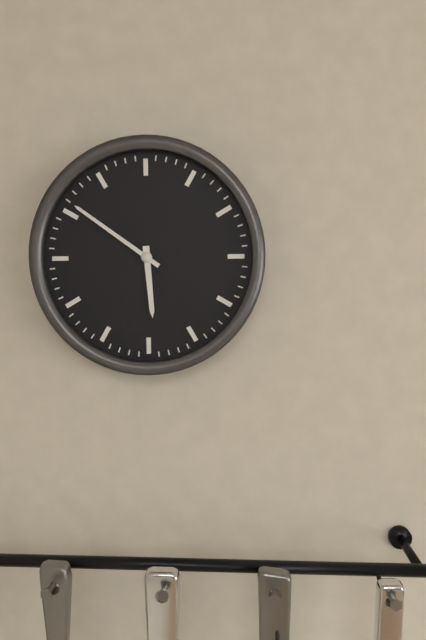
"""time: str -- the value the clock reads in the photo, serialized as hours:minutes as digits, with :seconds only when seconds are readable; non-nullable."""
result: 5:51
